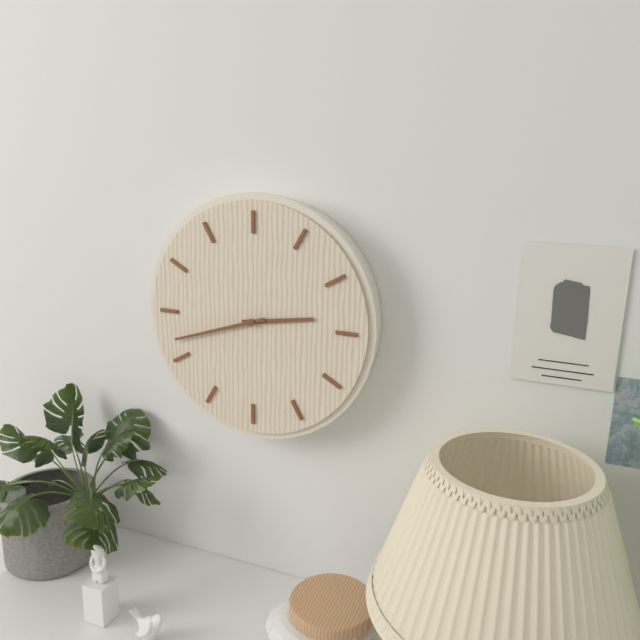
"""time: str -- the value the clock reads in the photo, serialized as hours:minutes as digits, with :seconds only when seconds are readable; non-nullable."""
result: 2:42
